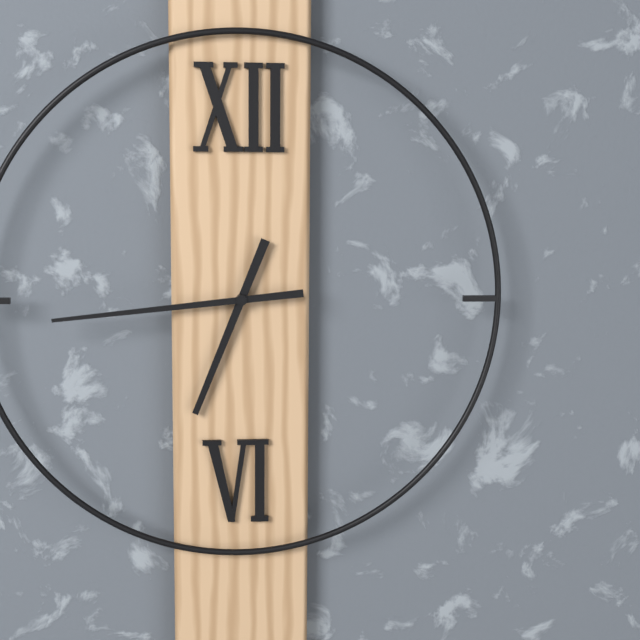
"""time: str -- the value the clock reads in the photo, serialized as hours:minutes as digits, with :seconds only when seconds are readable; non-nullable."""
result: 6:44
